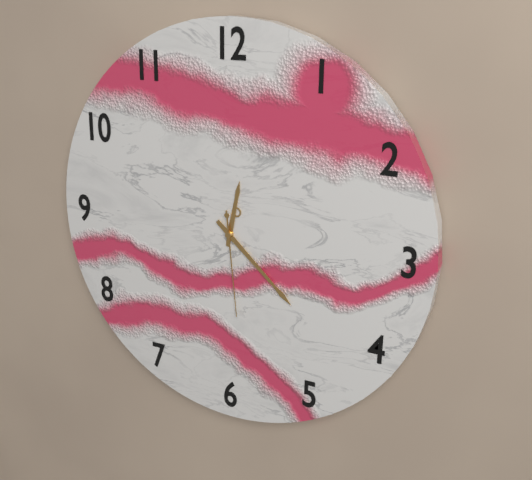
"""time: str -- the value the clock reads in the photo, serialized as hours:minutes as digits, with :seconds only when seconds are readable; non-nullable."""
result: 12:22:29
